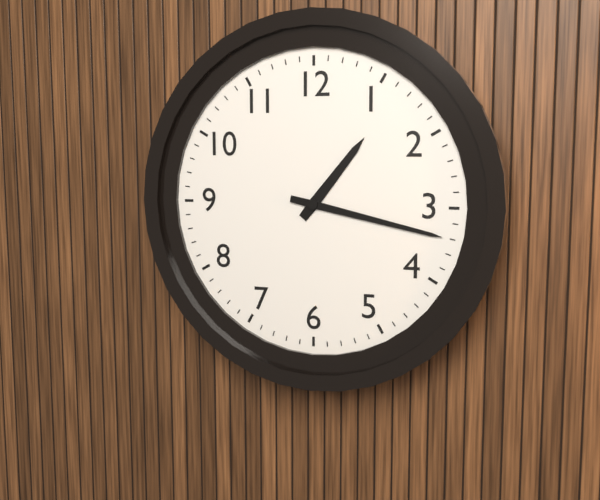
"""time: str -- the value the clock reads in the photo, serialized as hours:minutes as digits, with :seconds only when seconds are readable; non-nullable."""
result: 1:17
